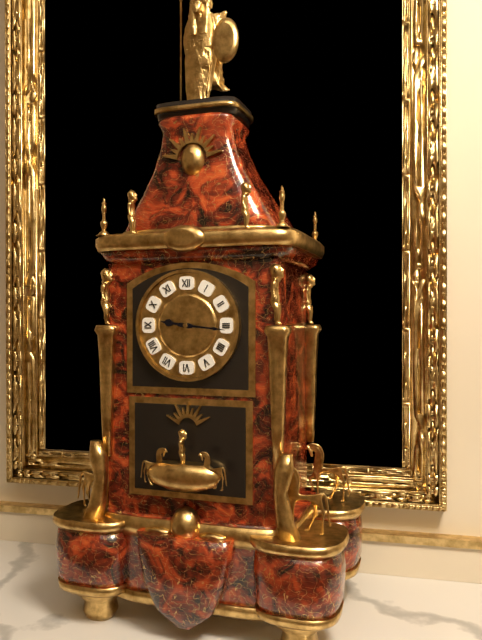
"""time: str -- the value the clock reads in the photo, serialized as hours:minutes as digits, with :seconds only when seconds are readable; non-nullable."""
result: 9:16
